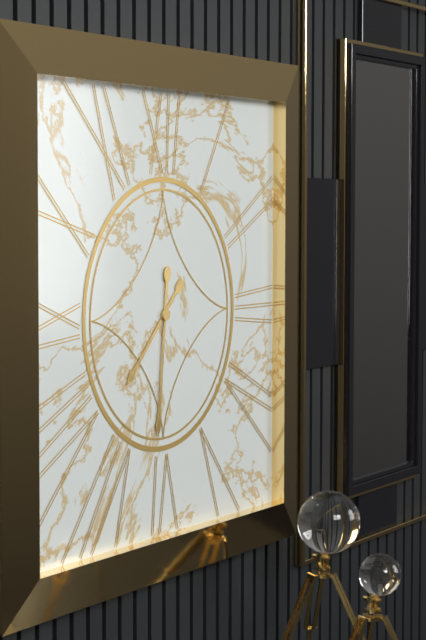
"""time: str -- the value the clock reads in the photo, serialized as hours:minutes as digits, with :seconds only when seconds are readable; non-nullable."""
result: 7:31
